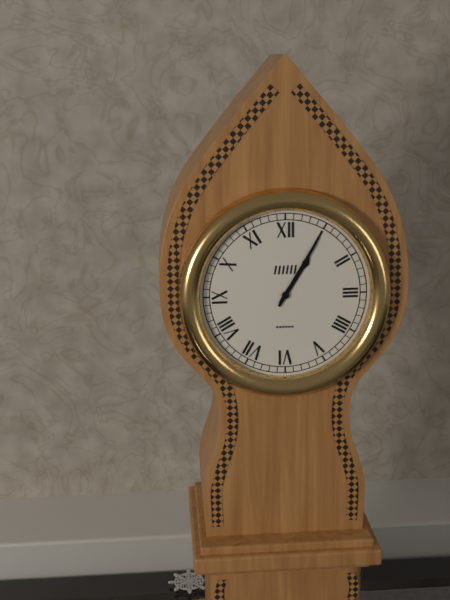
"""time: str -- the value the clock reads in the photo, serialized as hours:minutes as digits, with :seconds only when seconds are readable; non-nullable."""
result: 1:05
